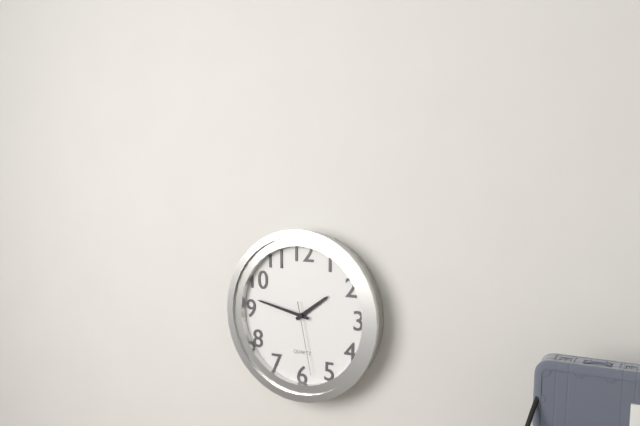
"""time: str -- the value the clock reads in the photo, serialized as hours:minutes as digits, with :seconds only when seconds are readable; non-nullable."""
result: 1:47:28
